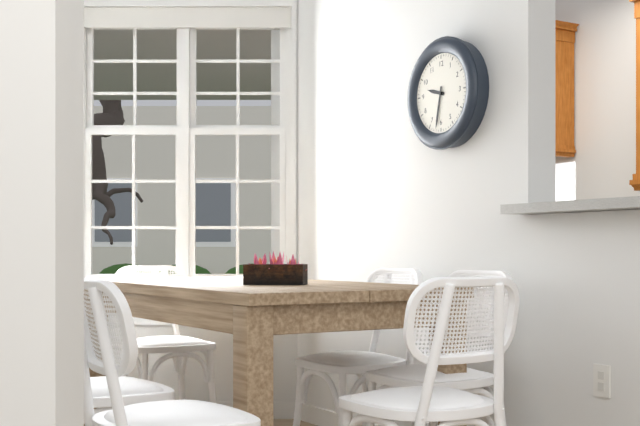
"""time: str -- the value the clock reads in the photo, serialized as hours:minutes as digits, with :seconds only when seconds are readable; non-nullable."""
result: 9:32
